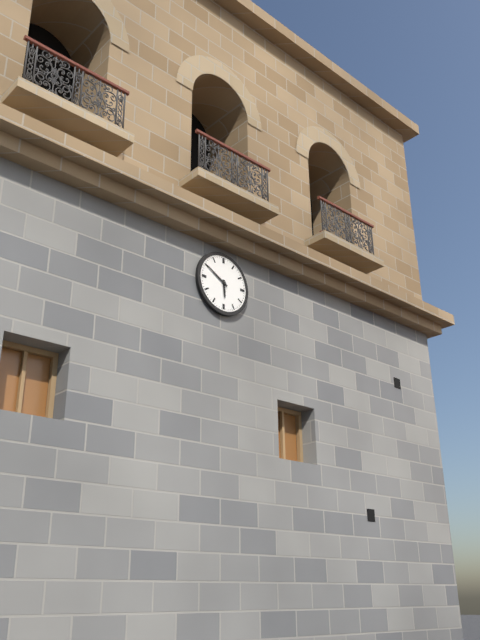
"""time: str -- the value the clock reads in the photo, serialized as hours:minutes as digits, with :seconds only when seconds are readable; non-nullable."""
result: 5:50
